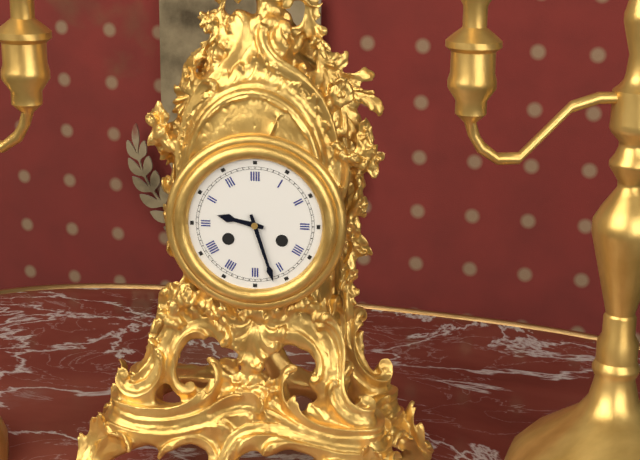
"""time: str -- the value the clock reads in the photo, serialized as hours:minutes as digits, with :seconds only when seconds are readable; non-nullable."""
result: 9:27
